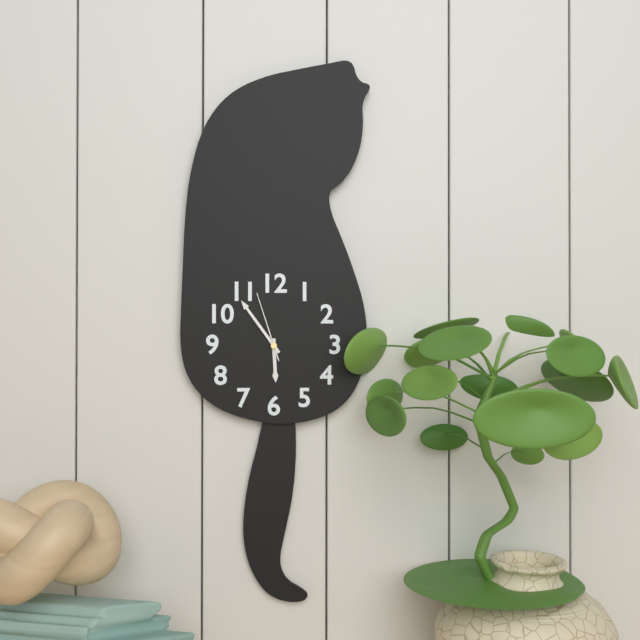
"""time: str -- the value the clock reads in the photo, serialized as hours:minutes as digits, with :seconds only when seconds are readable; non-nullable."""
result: 5:54:57
